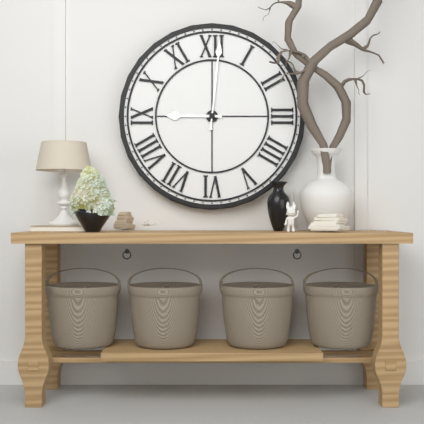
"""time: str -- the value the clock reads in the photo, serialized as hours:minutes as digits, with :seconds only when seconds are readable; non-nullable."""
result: 9:01
